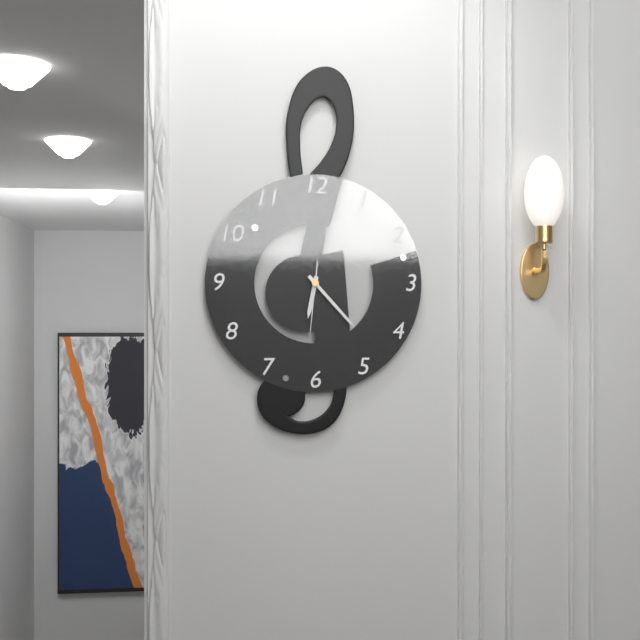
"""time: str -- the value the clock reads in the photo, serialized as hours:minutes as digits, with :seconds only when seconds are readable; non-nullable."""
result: 6:23:31
